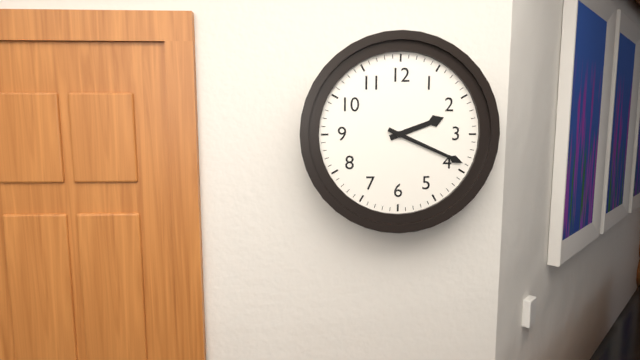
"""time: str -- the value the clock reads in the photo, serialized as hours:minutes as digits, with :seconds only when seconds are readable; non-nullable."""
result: 2:19
